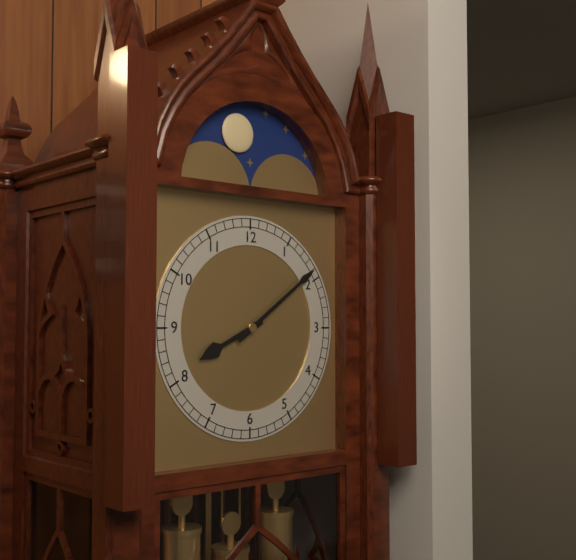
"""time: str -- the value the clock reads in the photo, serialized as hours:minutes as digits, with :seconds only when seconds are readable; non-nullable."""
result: 8:09
